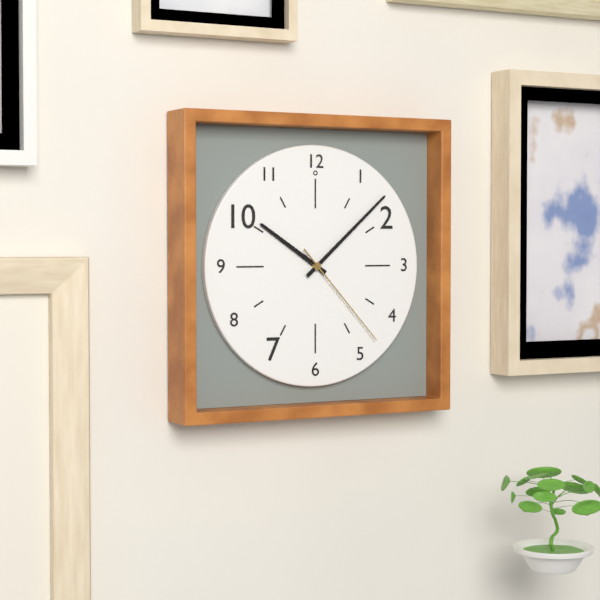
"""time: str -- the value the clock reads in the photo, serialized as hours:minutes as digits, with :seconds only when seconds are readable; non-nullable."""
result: 10:08:23
